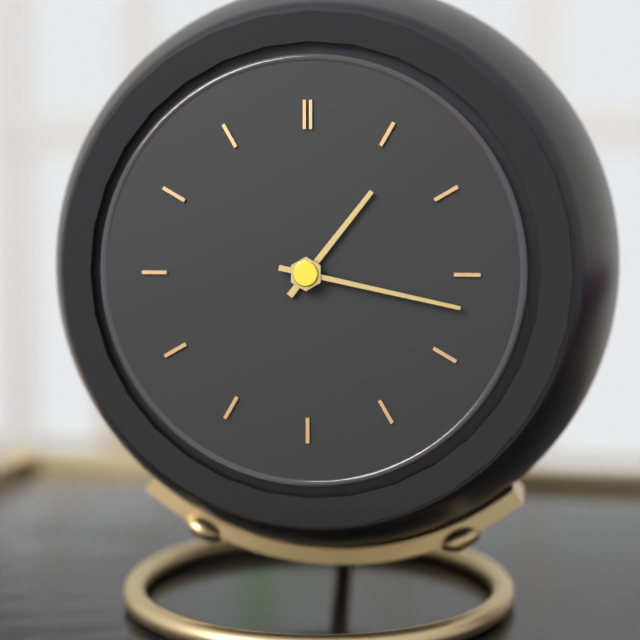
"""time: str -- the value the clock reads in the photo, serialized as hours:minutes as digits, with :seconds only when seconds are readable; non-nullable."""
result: 1:17
